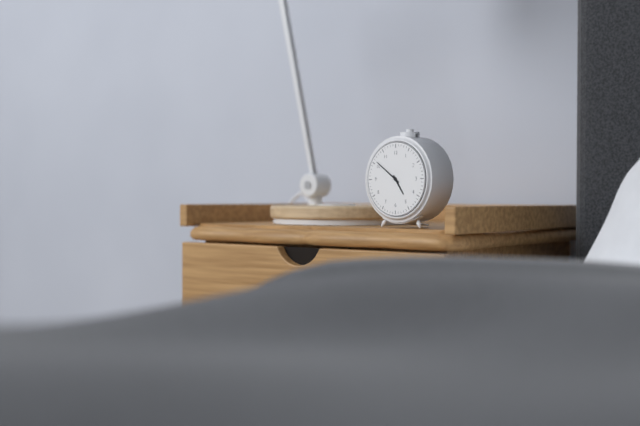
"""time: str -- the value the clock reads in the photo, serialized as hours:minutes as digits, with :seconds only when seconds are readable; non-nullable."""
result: 4:51
